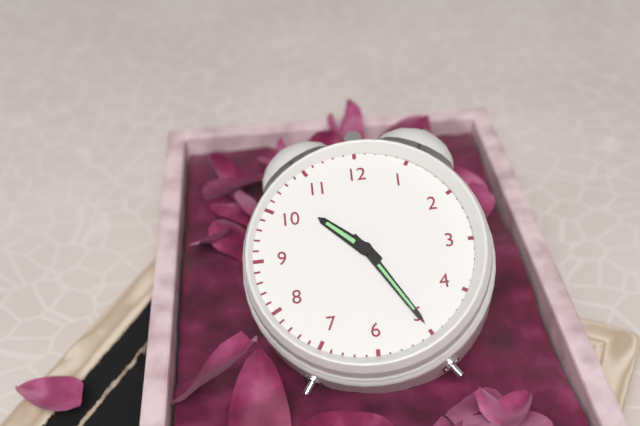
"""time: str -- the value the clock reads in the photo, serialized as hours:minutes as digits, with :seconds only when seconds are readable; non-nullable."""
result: 10:25
